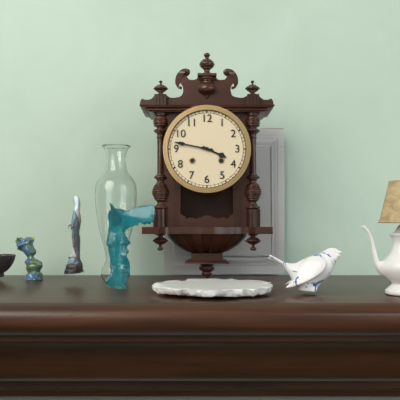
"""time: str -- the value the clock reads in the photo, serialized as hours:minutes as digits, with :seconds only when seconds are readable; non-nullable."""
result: 3:47
